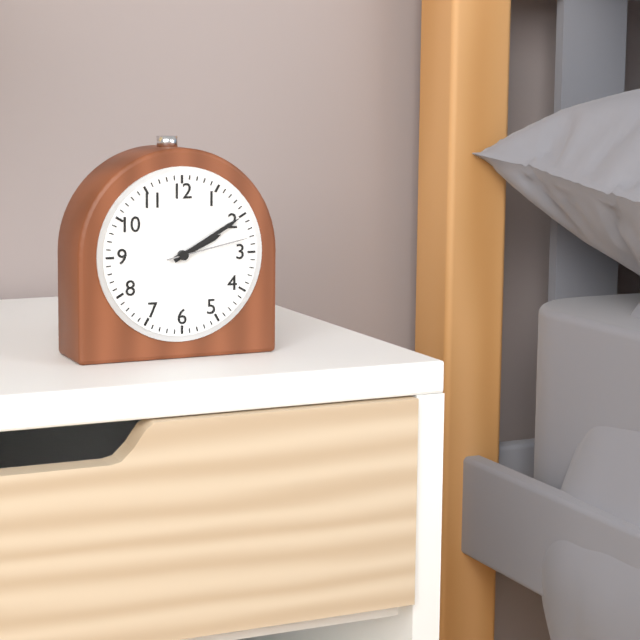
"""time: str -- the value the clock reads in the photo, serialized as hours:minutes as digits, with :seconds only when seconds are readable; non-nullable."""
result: 2:10:13
